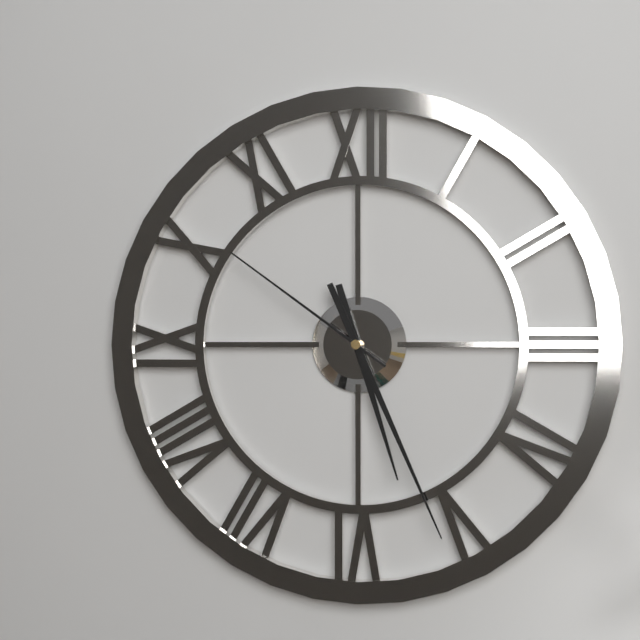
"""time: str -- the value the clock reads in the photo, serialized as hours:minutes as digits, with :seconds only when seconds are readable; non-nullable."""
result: 5:26:51
